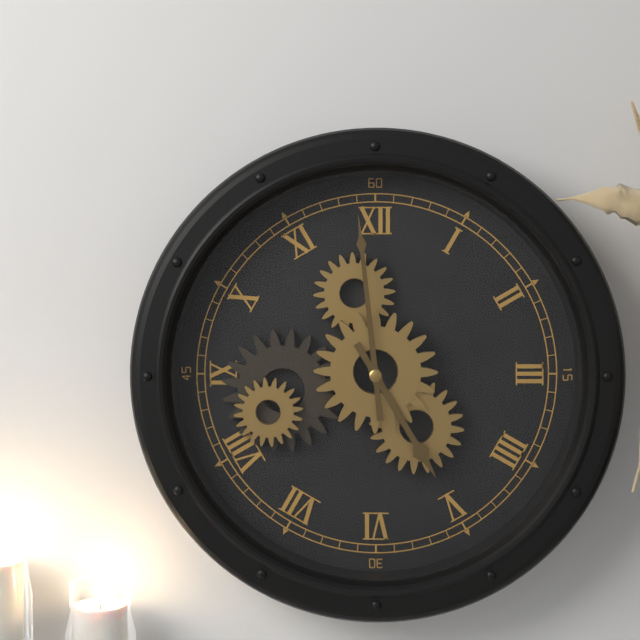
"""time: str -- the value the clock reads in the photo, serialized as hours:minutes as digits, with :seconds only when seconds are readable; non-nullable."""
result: 4:59
